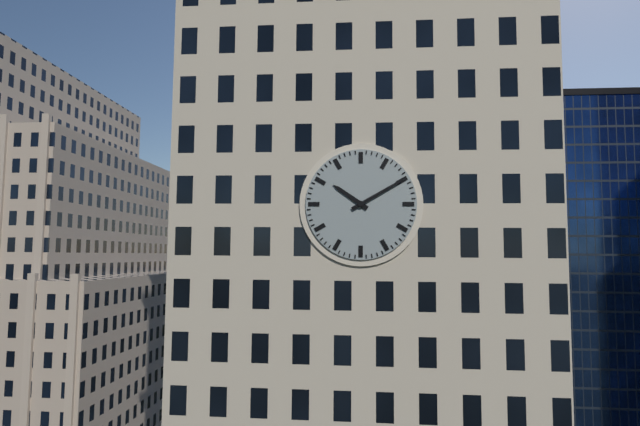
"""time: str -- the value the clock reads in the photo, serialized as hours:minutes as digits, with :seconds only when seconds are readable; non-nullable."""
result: 10:10
